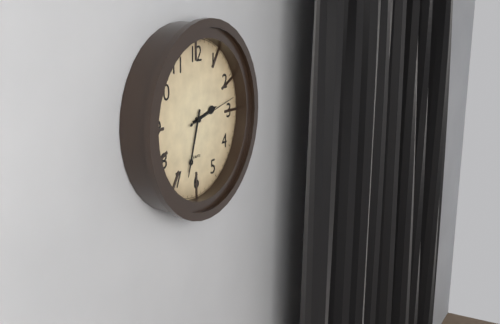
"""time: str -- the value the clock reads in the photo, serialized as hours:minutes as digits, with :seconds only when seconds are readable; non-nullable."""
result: 2:33:13
